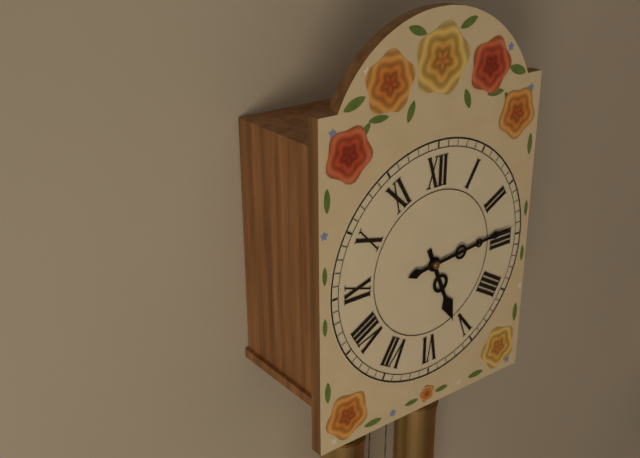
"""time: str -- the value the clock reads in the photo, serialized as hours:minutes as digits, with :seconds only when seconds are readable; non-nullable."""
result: 5:14
